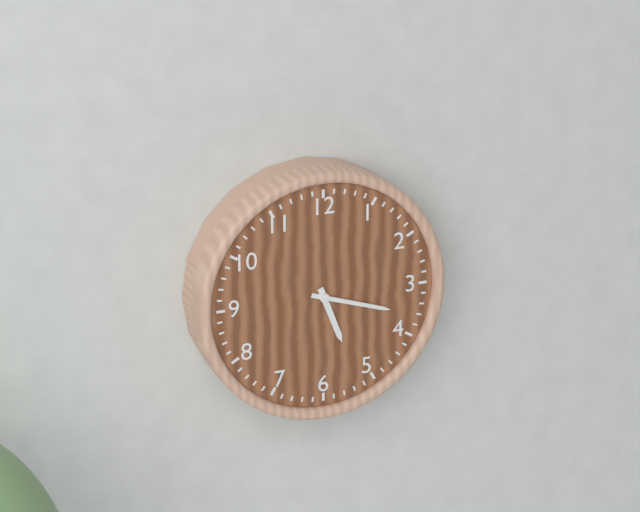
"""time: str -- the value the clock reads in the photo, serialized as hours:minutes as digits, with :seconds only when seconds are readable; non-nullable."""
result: 5:18
